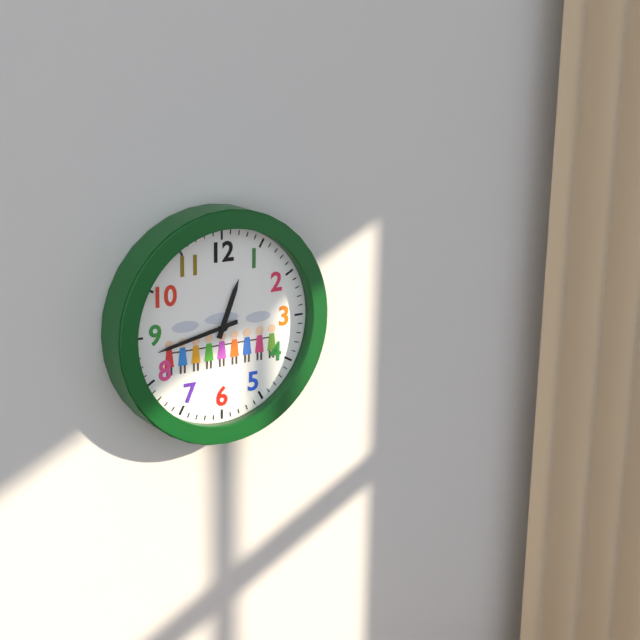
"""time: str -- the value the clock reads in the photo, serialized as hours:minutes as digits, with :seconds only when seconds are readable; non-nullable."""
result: 12:43
